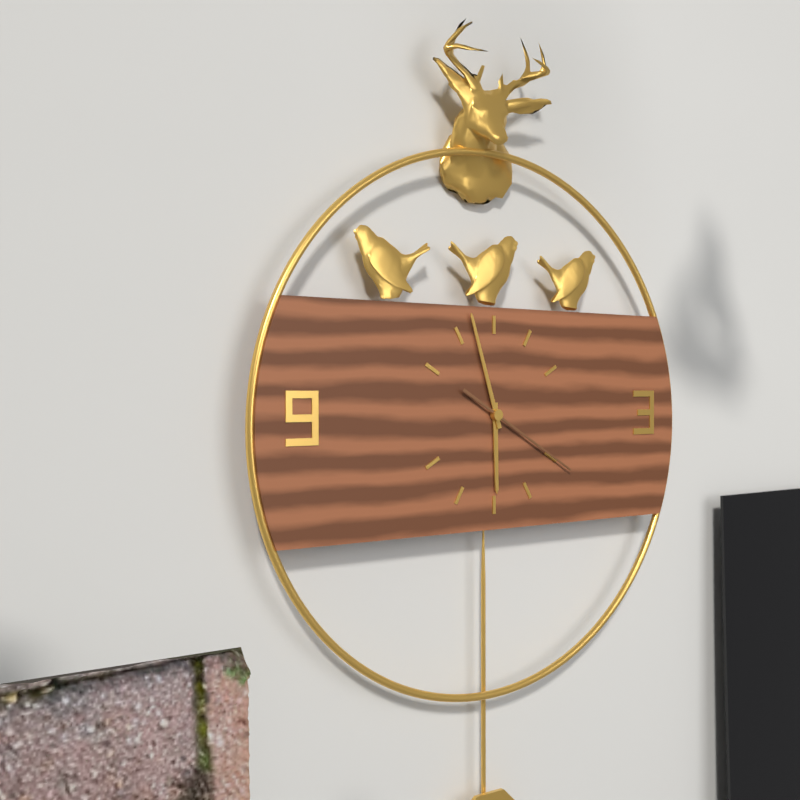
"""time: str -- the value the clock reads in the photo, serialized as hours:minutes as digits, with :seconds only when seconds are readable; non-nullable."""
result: 5:57:20
